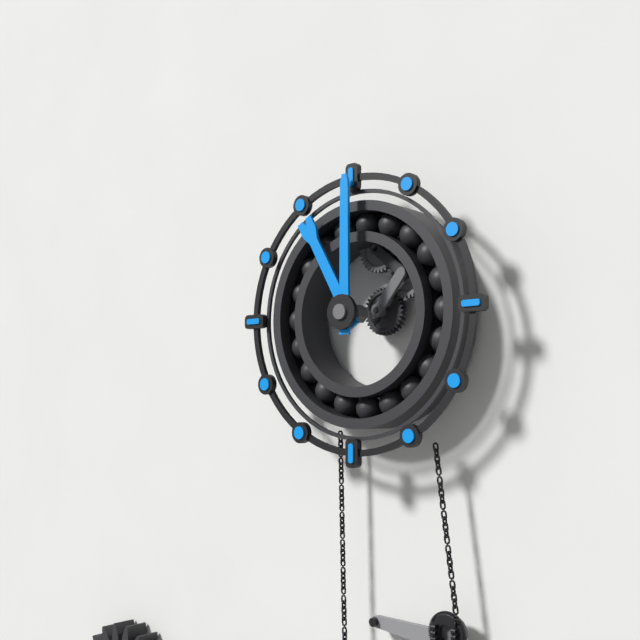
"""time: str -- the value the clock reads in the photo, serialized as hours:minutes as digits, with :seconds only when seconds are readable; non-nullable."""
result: 11:00
